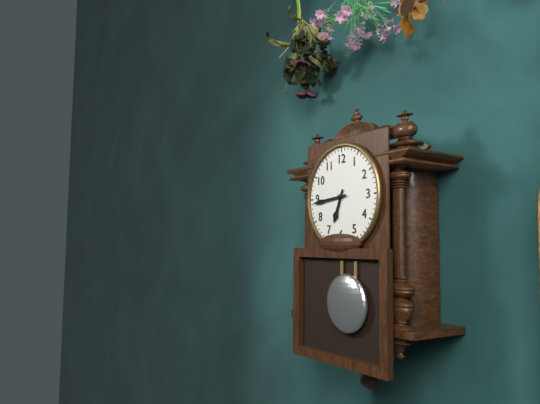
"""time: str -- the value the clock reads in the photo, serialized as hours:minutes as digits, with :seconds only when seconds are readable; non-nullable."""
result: 6:44
